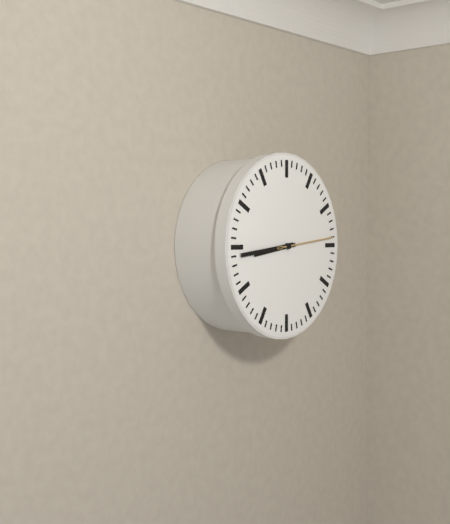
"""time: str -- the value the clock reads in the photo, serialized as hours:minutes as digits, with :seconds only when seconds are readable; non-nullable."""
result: 8:44:14
